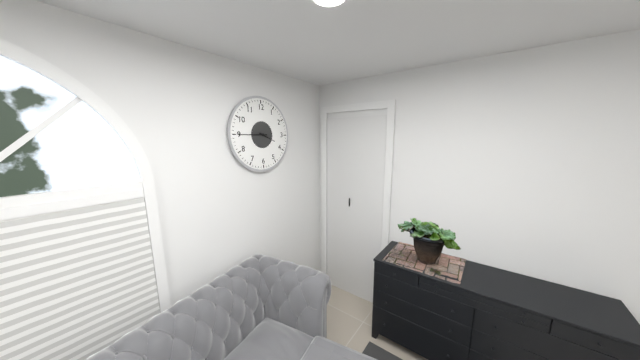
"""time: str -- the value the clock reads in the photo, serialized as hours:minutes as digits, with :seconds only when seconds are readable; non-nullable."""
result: 3:45
